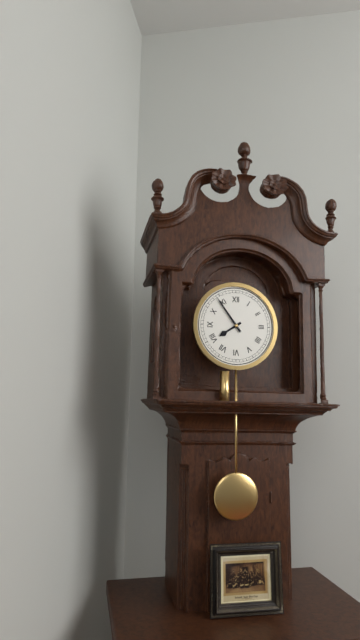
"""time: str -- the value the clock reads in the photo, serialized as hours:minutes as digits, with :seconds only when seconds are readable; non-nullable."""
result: 7:54
